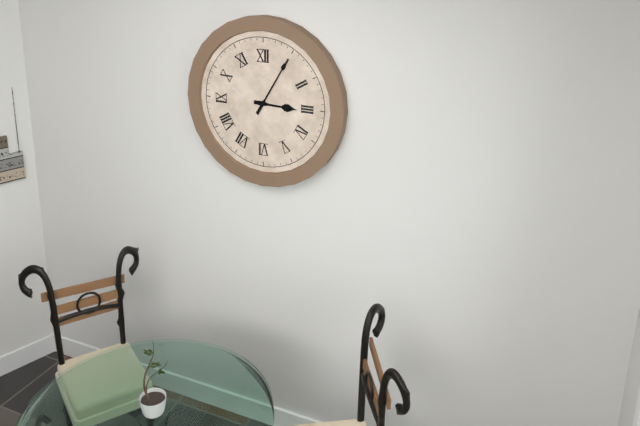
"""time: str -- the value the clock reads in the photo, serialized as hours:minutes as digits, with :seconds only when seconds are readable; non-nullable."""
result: 3:05
